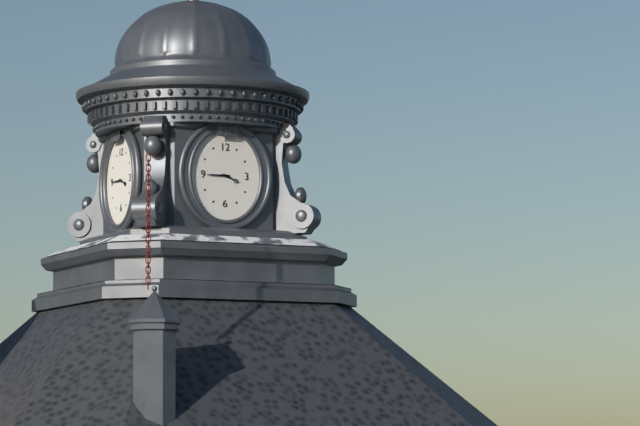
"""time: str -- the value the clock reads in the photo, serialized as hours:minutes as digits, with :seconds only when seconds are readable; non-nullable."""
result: 3:45
